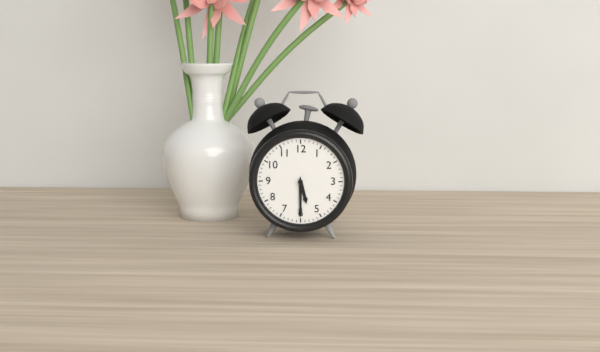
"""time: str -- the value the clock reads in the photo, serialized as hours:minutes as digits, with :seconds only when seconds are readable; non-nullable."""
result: 5:30
